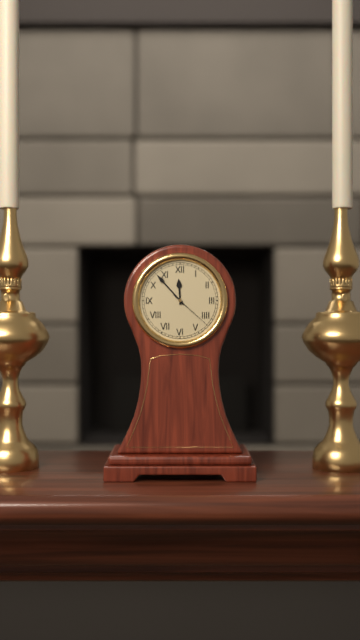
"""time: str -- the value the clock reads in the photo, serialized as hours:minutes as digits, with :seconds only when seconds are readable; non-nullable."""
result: 11:53
